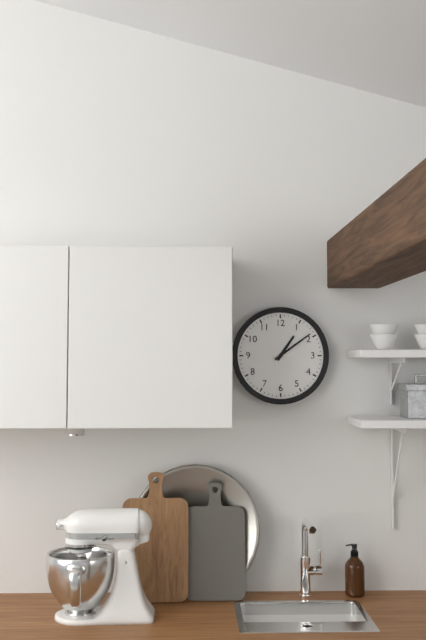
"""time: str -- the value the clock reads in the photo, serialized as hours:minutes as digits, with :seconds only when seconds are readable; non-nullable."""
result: 1:09
